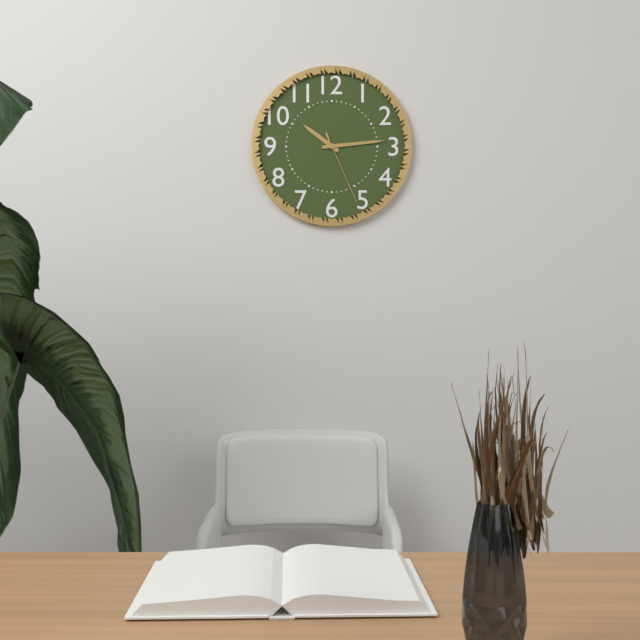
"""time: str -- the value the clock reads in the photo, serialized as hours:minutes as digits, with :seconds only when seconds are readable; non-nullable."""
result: 10:14:26
